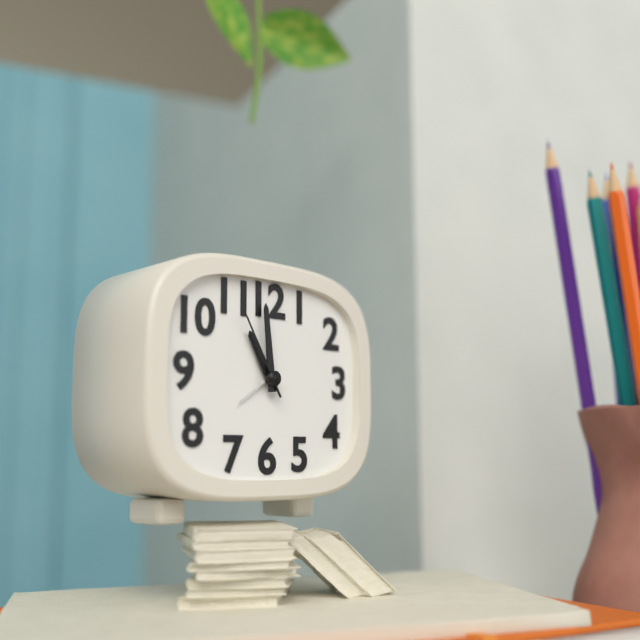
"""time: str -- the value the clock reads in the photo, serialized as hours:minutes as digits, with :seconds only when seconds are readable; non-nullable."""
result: 10:59:55
